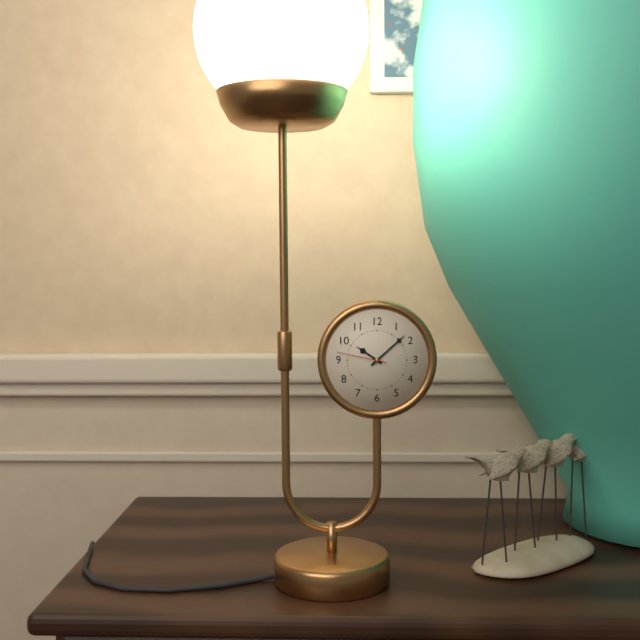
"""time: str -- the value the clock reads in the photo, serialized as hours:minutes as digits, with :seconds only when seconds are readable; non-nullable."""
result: 10:08:47
